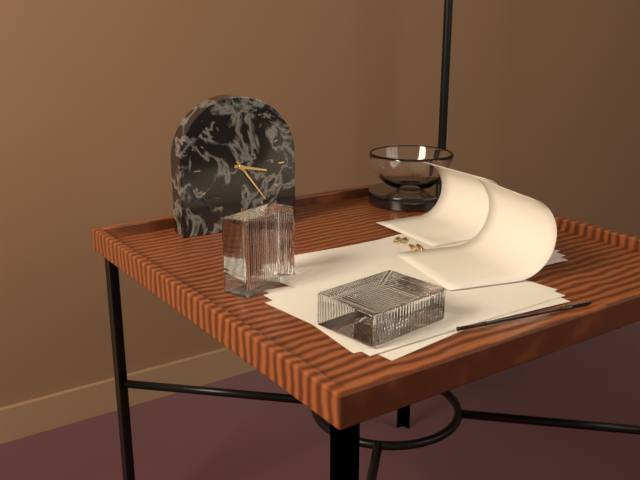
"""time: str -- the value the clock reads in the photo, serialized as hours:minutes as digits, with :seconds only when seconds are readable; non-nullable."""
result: 3:24
